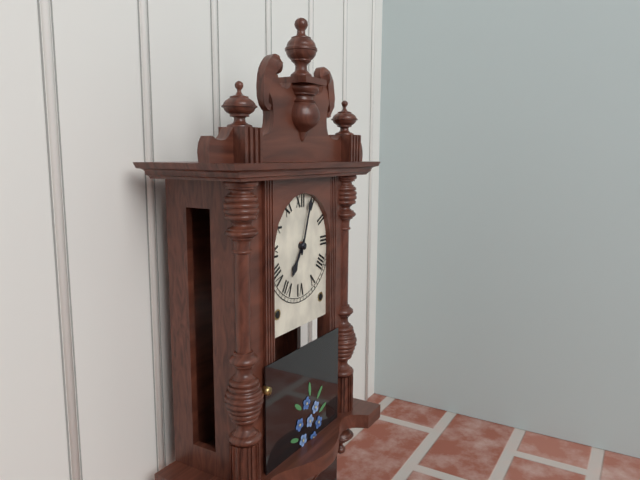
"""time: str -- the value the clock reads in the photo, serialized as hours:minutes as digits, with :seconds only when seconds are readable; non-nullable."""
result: 7:03
